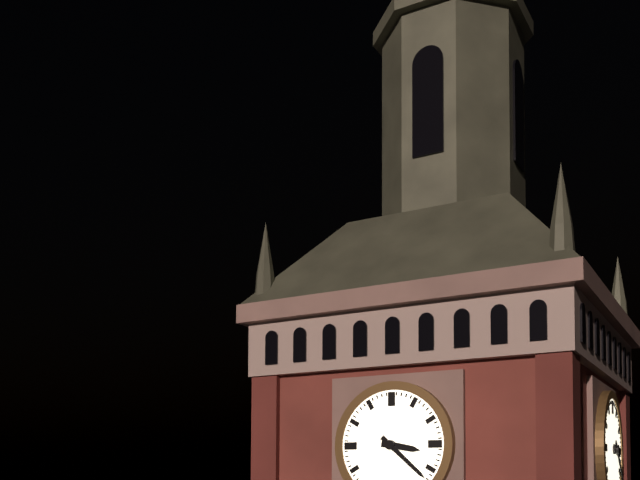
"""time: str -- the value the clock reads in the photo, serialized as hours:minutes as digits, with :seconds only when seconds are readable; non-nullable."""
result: 3:22
